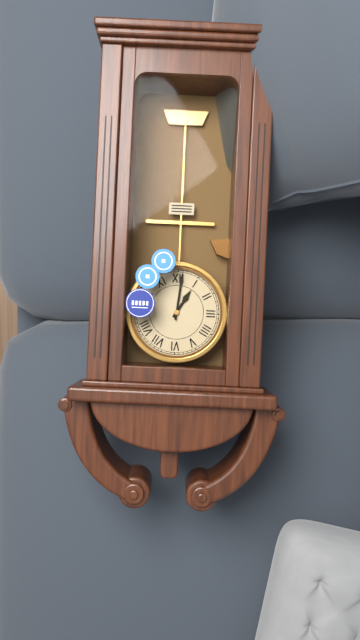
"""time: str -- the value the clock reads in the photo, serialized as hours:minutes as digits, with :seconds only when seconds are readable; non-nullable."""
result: 1:01
